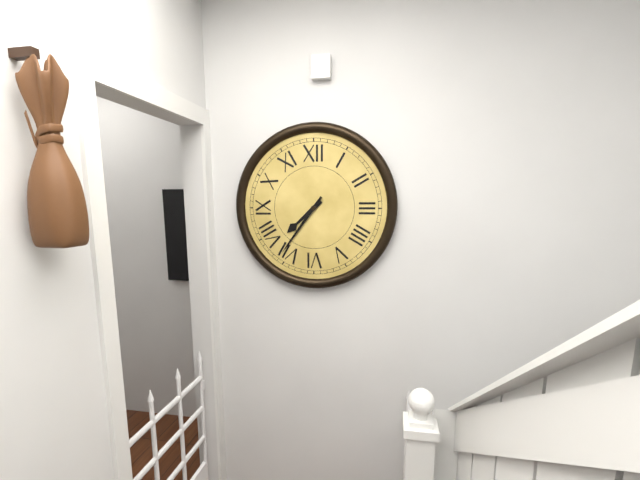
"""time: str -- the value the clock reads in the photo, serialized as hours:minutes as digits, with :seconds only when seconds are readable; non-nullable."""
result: 7:36
